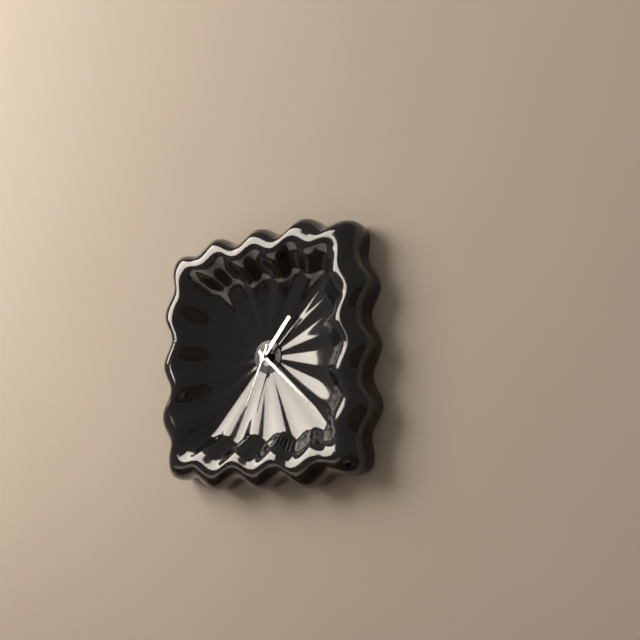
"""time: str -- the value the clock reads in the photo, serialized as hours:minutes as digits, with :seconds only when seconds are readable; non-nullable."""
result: 1:22:34
